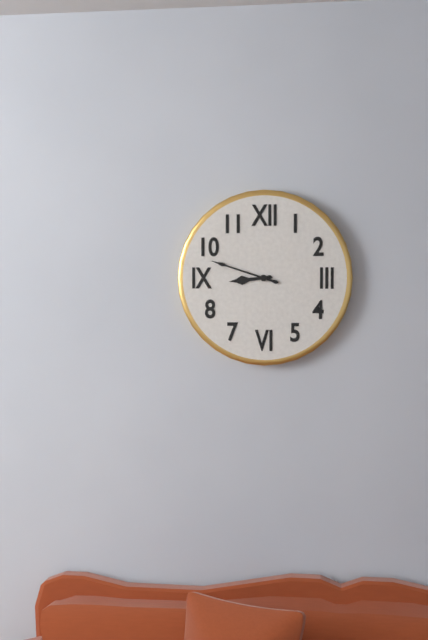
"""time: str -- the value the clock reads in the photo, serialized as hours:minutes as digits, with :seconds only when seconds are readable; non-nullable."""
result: 8:48
